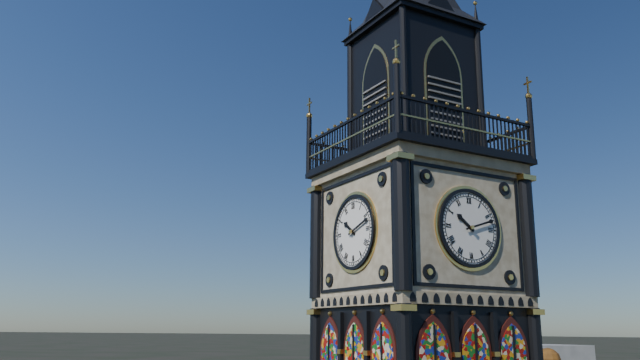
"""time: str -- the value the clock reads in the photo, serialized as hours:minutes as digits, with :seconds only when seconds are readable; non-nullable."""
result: 10:12
